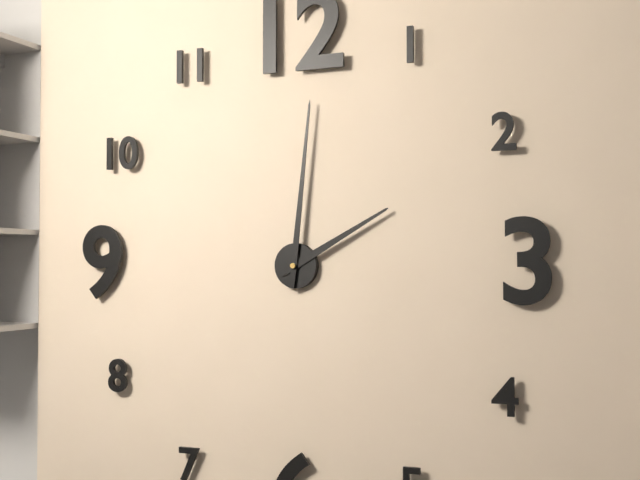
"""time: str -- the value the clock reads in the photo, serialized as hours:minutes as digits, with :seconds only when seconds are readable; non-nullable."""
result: 2:01
